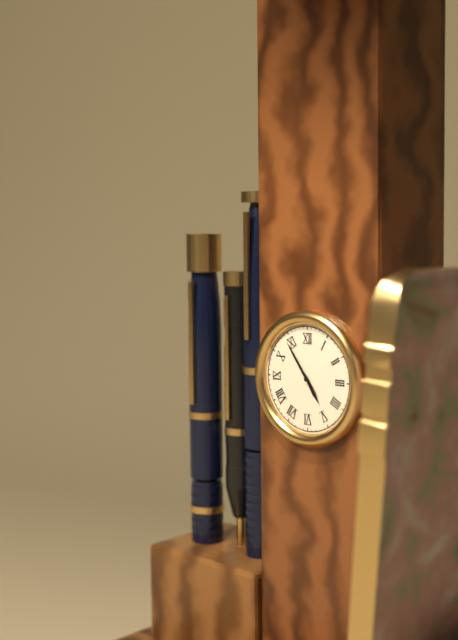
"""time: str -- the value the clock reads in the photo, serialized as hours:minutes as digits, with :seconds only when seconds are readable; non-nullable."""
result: 4:54
